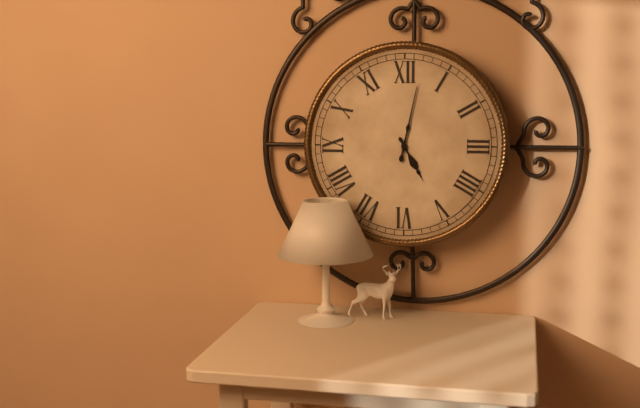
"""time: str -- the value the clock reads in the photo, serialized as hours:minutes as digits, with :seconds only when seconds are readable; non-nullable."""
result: 5:02
